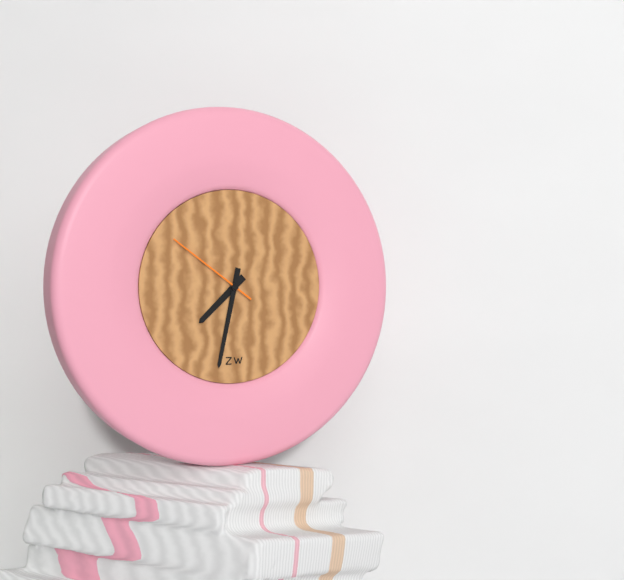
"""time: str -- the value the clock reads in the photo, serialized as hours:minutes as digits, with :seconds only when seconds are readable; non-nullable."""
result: 7:32:51
